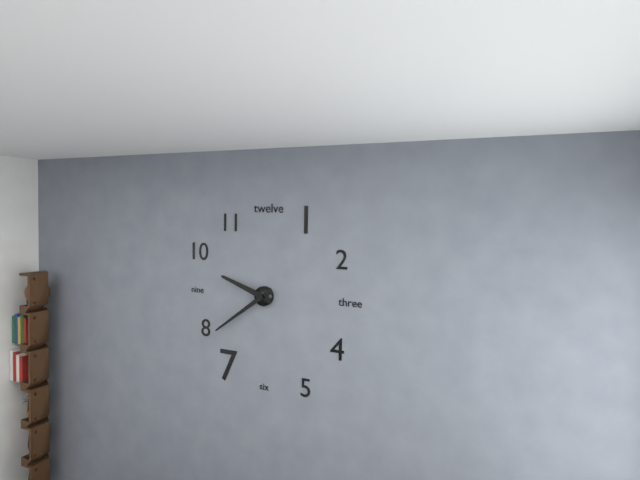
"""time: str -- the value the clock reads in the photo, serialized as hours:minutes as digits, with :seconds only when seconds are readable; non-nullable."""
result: 9:39
